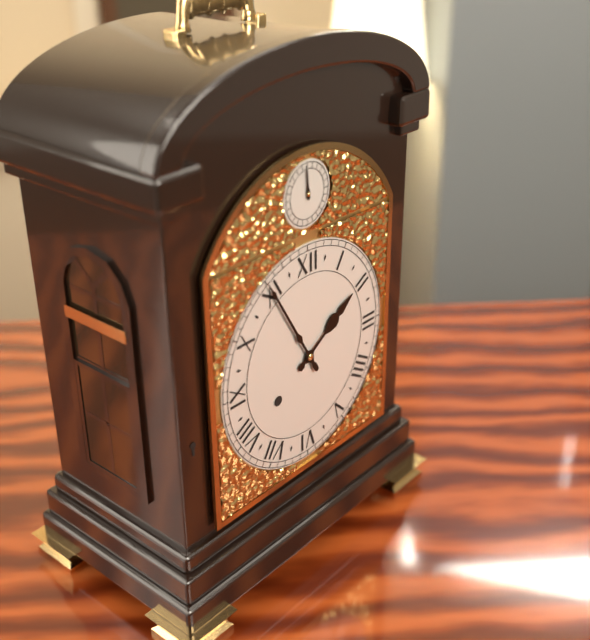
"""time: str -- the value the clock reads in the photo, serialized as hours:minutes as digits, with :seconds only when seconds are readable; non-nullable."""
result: 1:55
